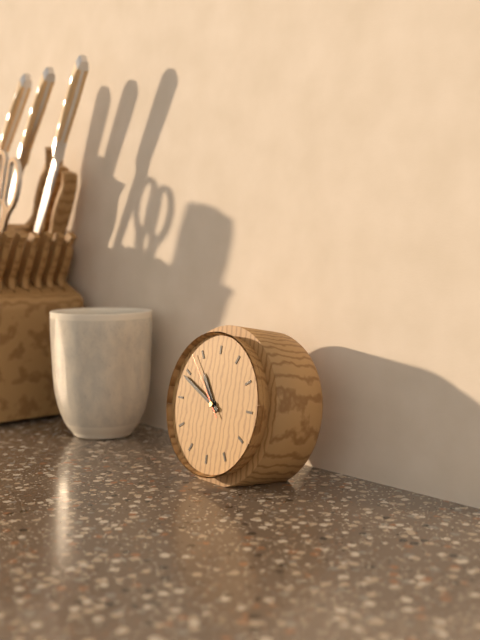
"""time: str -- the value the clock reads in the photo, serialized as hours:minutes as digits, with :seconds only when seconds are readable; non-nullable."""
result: 10:49:53
